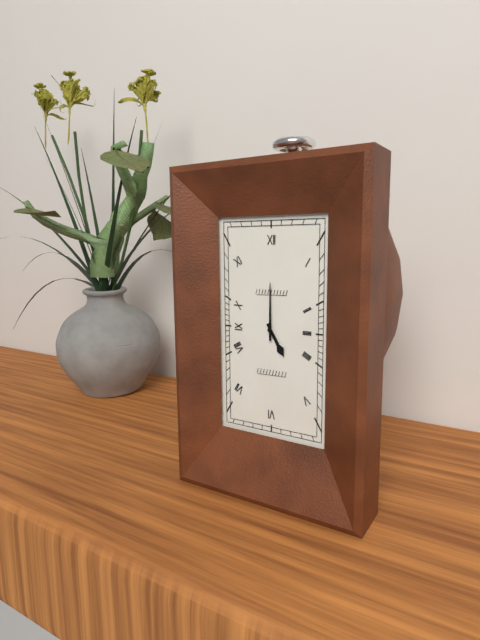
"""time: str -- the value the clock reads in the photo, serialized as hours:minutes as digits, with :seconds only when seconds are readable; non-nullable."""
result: 5:00
